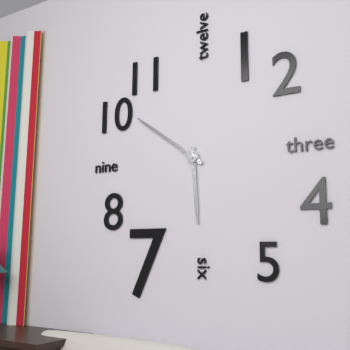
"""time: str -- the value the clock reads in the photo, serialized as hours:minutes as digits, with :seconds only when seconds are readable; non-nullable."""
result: 5:51
